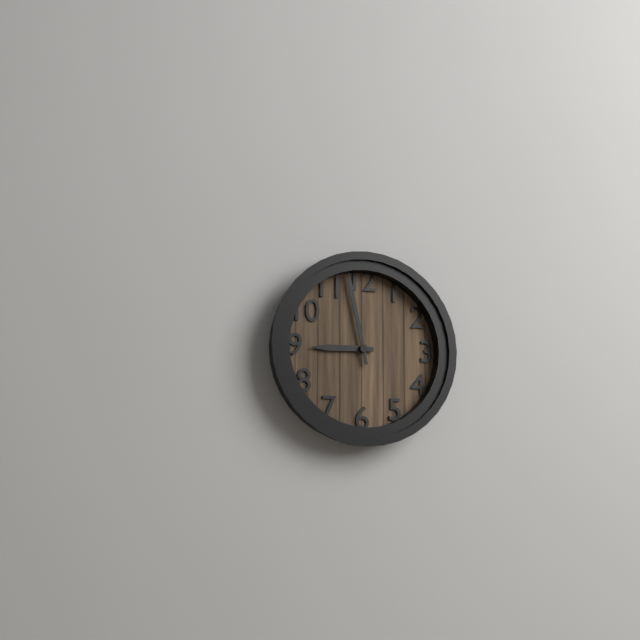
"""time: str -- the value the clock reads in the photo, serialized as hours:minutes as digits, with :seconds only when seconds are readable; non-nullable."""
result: 8:58
